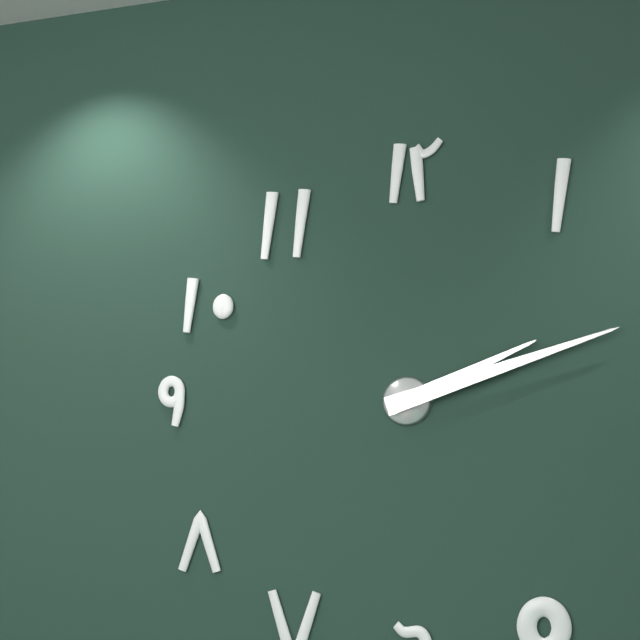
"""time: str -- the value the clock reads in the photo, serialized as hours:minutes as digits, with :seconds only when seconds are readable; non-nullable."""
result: 2:12
